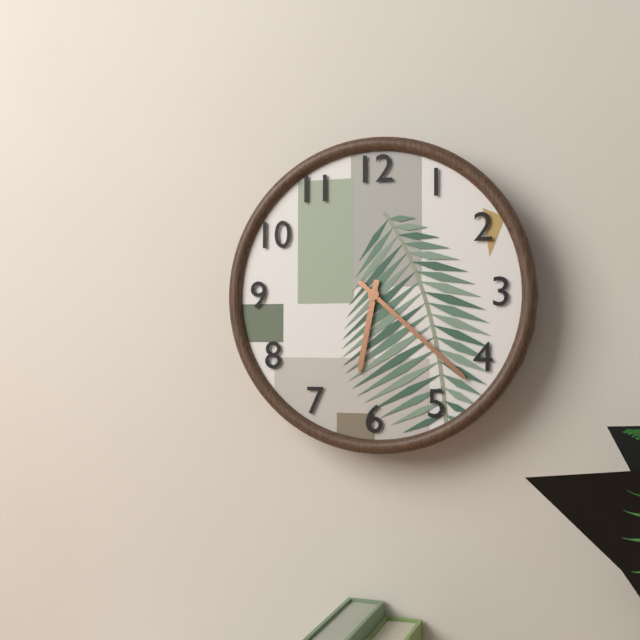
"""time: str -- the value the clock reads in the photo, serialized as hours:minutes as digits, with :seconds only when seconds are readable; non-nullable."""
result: 6:22
